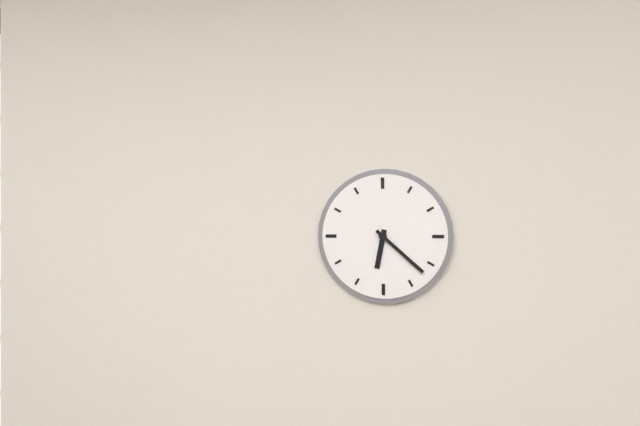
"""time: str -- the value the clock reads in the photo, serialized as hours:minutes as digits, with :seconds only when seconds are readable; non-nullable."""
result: 6:22
